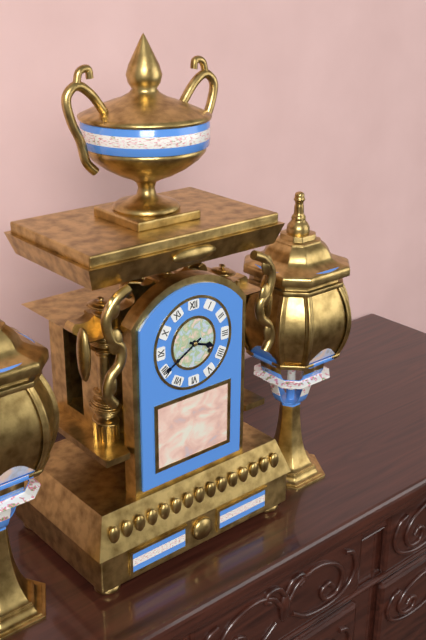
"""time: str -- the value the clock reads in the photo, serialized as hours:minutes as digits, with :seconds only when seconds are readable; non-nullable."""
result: 3:40
